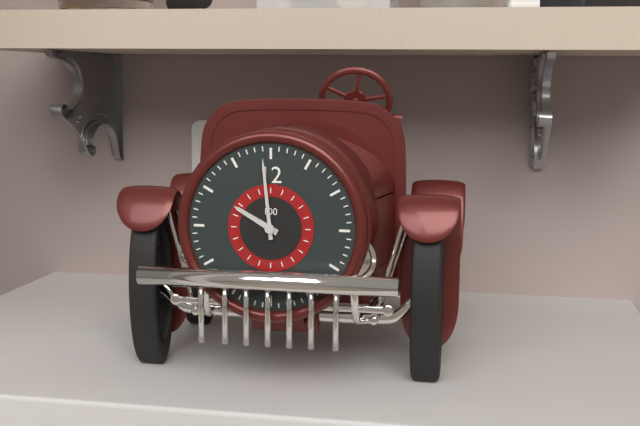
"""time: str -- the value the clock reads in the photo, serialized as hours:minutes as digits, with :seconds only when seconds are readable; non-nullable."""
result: 9:59
